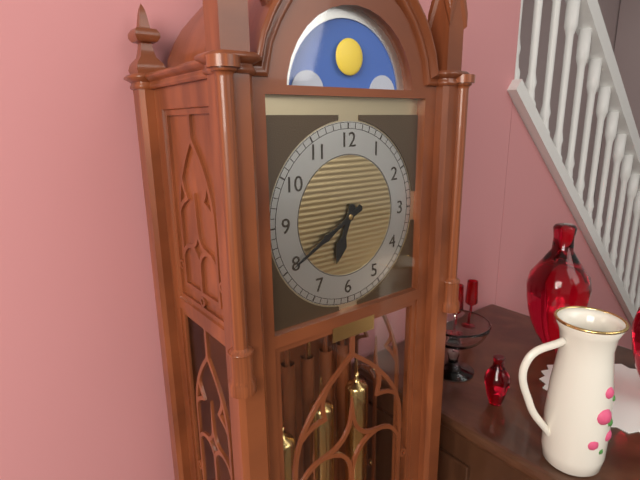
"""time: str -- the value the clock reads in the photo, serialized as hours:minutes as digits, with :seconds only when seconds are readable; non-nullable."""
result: 6:40
